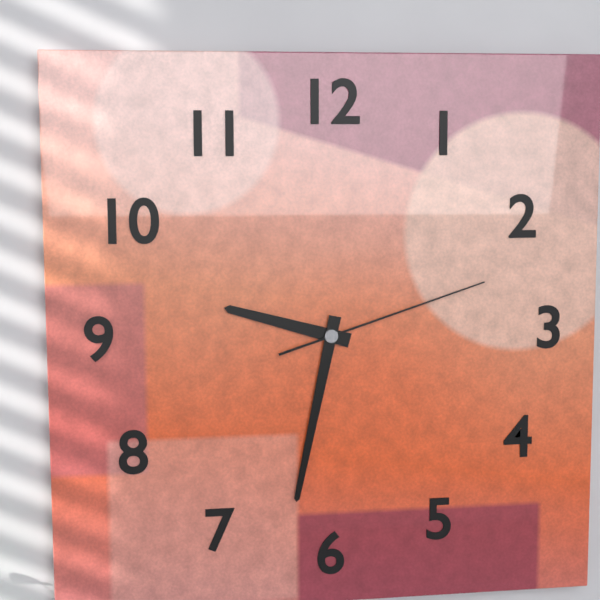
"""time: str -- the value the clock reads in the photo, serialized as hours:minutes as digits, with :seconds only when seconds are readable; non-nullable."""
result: 9:32:12
